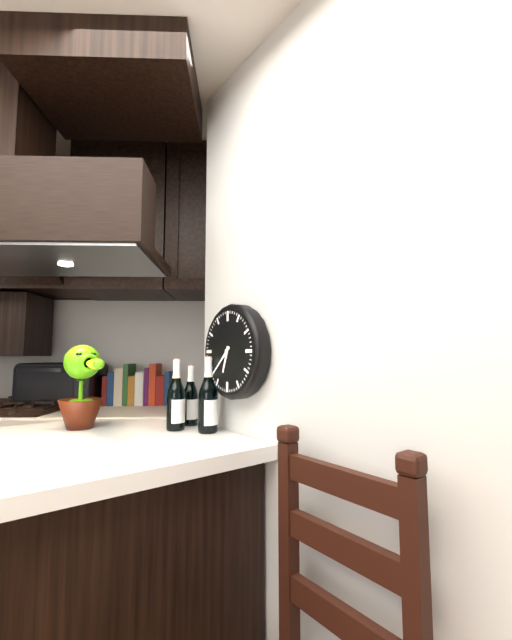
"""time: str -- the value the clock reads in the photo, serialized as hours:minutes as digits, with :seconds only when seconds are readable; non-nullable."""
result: 6:38
